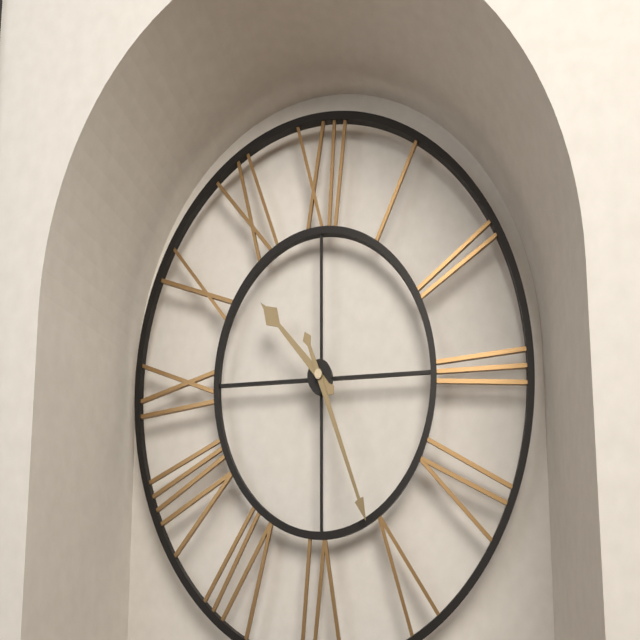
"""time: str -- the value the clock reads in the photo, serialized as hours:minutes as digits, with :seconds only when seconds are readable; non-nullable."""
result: 10:26
